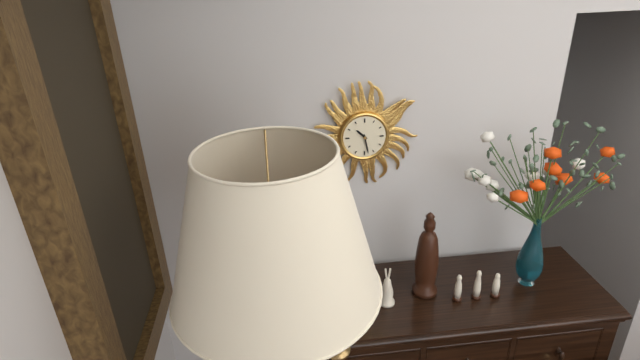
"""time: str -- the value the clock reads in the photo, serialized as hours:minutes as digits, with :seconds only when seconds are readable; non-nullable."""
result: 10:28
